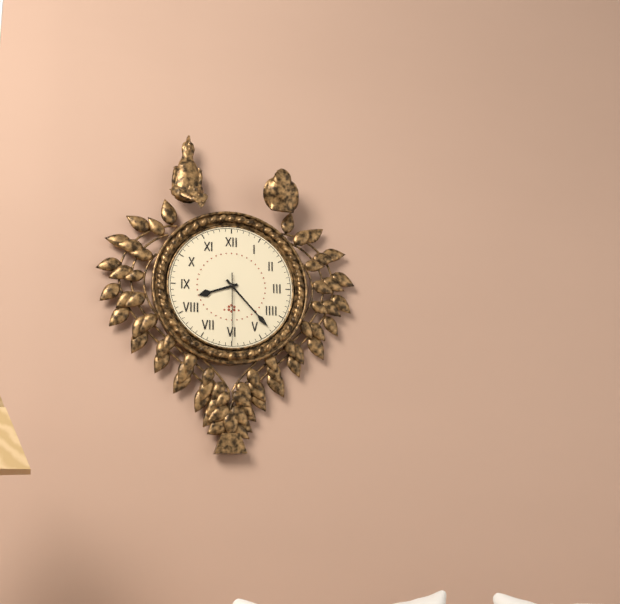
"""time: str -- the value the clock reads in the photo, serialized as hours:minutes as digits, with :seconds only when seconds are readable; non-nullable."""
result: 8:23:30
